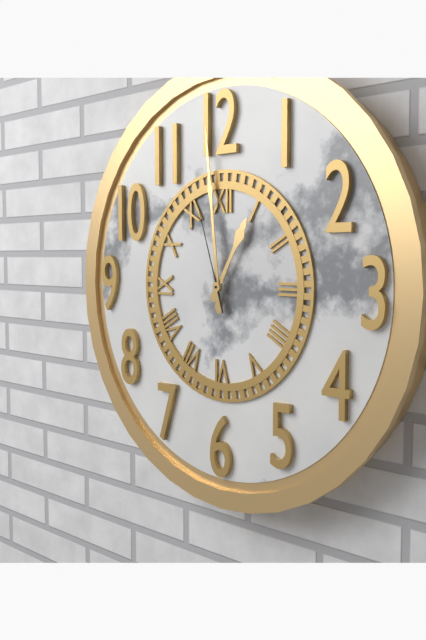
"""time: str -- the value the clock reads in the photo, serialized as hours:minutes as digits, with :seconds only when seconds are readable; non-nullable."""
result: 12:59:57
